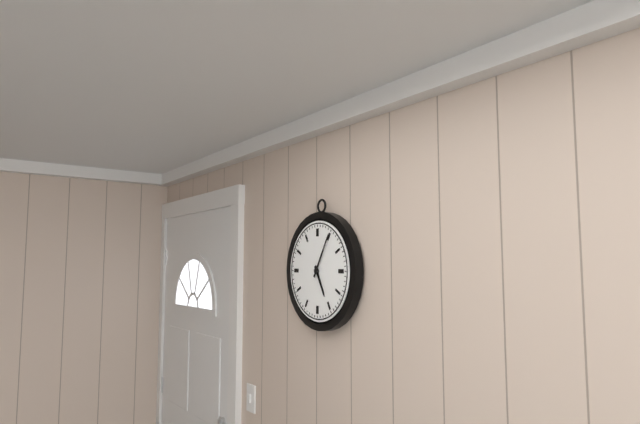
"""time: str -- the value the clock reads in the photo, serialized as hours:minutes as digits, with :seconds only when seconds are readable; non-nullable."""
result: 5:05
